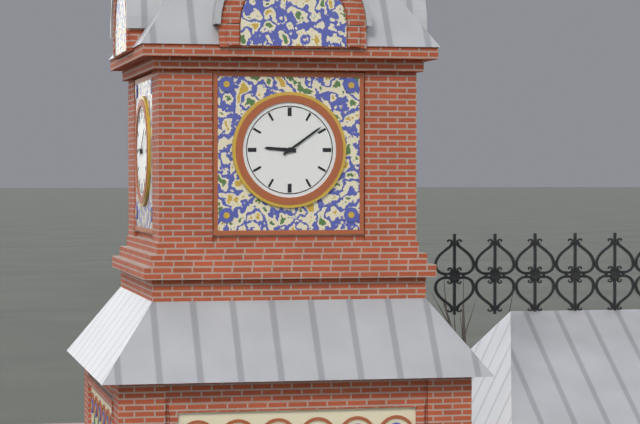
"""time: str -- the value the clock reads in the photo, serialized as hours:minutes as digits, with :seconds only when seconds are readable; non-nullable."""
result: 9:09
